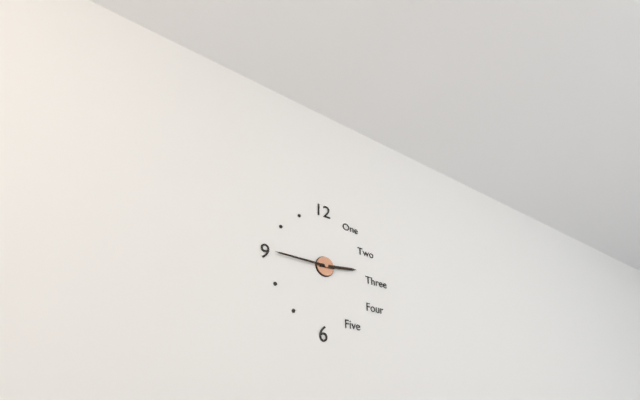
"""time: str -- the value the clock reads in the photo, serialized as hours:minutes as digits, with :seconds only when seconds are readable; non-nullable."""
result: 2:45
